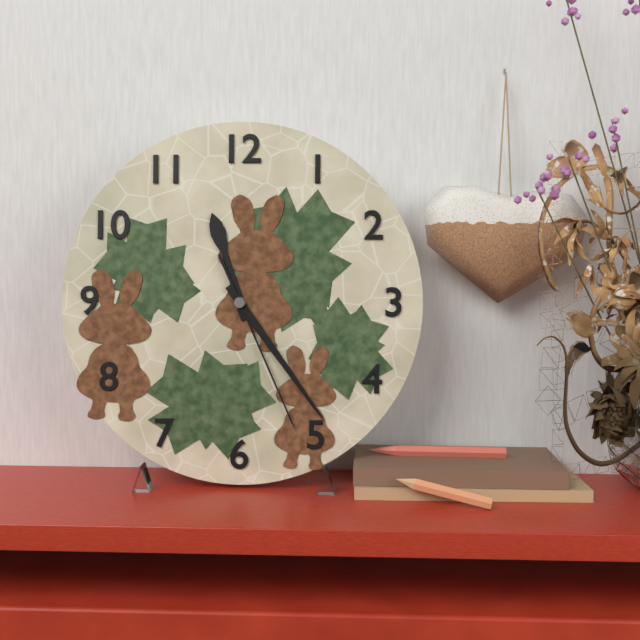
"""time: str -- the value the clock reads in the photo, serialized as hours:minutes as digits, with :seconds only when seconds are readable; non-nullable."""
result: 11:24:26
